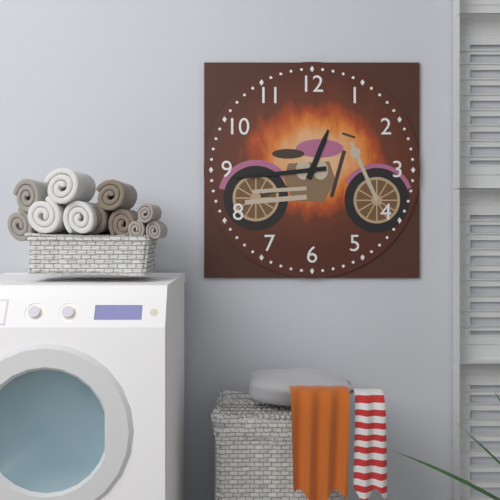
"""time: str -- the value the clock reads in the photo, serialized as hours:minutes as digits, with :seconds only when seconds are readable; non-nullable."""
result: 12:44
